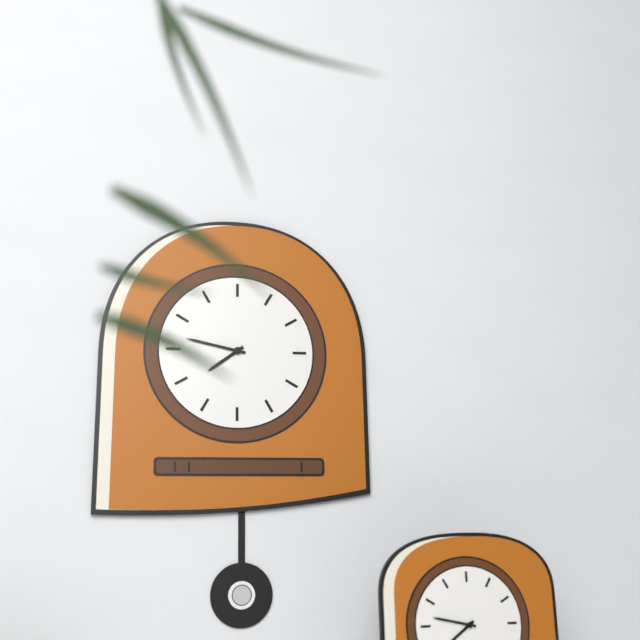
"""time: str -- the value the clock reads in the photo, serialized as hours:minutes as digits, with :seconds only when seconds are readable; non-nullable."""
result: 7:47
